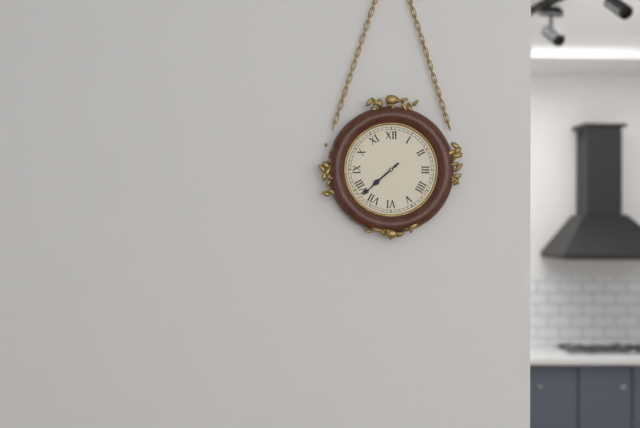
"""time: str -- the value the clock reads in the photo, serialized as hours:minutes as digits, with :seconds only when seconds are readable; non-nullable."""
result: 7:38
